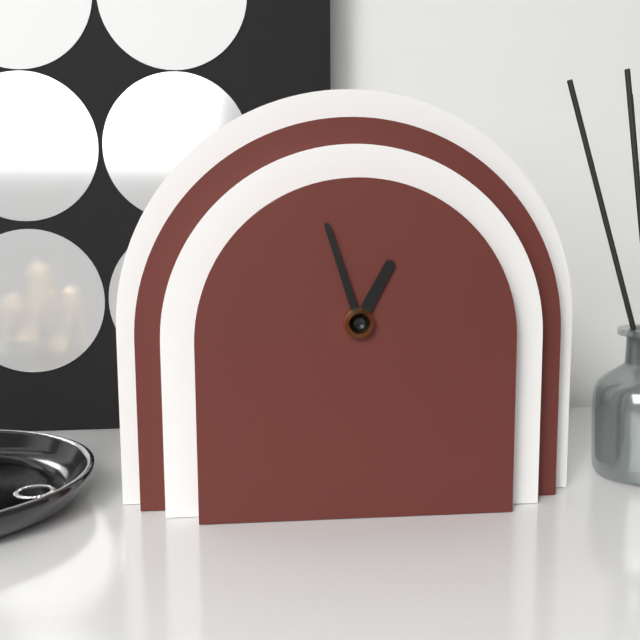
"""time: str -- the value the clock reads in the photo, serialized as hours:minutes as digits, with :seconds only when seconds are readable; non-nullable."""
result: 12:57
